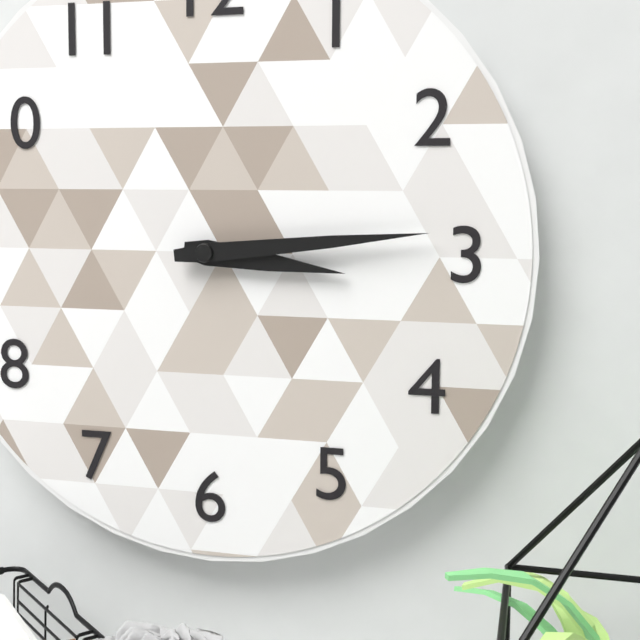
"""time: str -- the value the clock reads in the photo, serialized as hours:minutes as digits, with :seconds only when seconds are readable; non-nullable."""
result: 3:14
